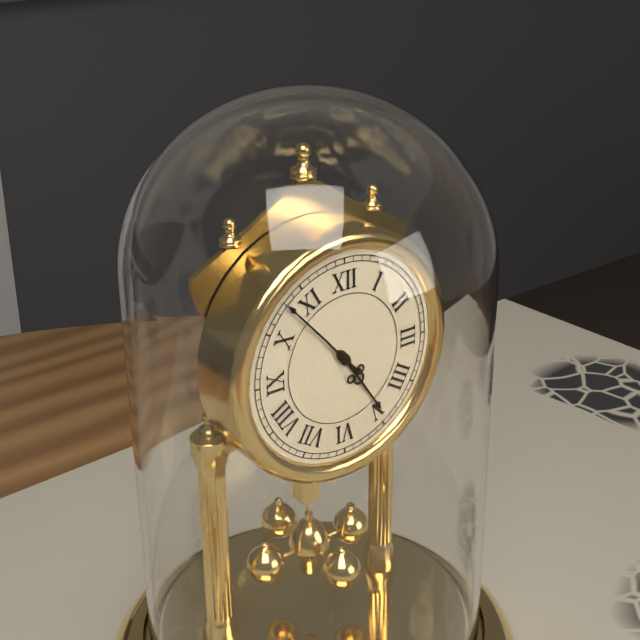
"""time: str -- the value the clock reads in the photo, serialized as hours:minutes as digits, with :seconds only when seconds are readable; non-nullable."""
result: 4:53
